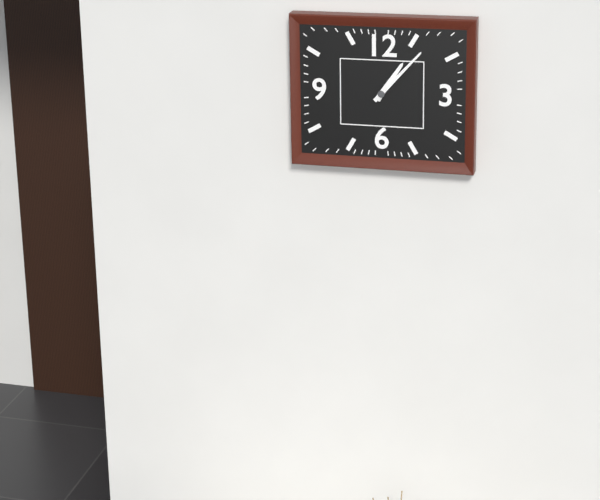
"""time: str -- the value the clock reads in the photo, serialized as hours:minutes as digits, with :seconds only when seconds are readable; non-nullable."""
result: 1:07
